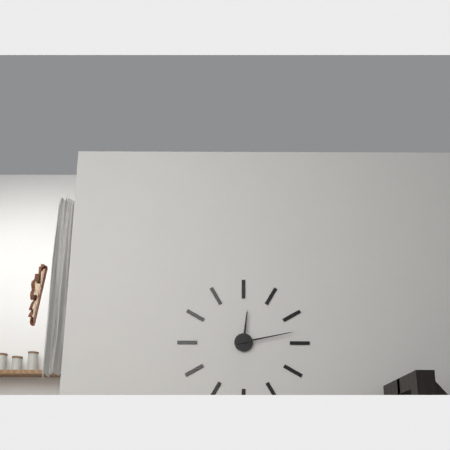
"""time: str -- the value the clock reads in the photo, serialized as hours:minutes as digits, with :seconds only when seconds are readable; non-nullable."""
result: 12:13
